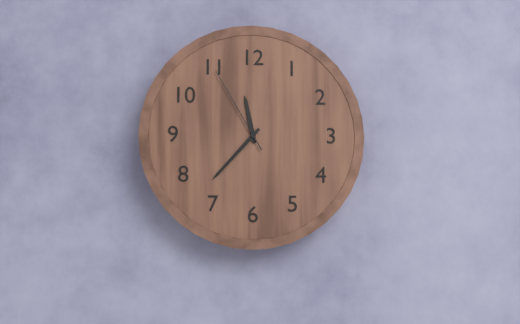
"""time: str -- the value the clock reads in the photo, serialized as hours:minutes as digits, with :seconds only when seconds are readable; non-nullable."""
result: 11:37:55
